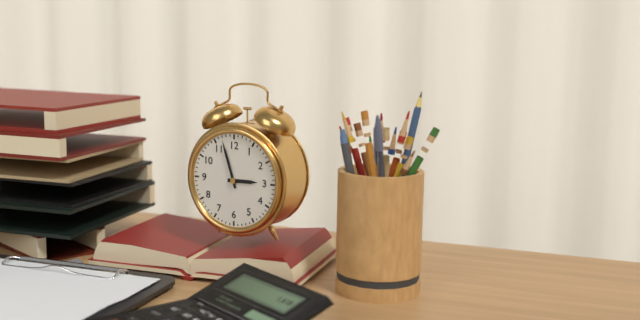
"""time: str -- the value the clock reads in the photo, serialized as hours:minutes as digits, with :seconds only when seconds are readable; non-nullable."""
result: 2:57
